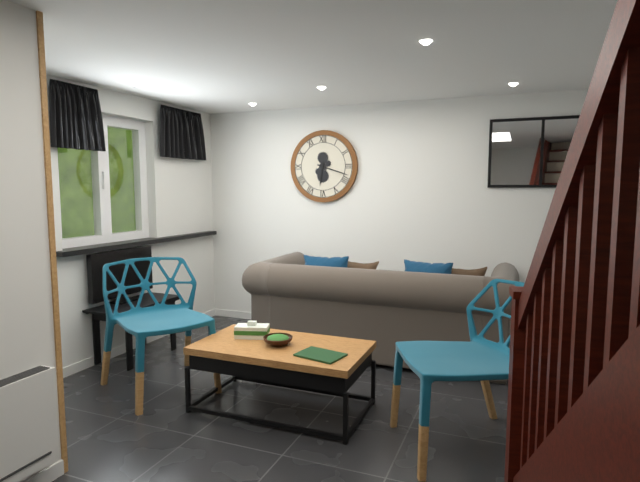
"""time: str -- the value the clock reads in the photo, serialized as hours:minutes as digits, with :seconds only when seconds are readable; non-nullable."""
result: 6:18
